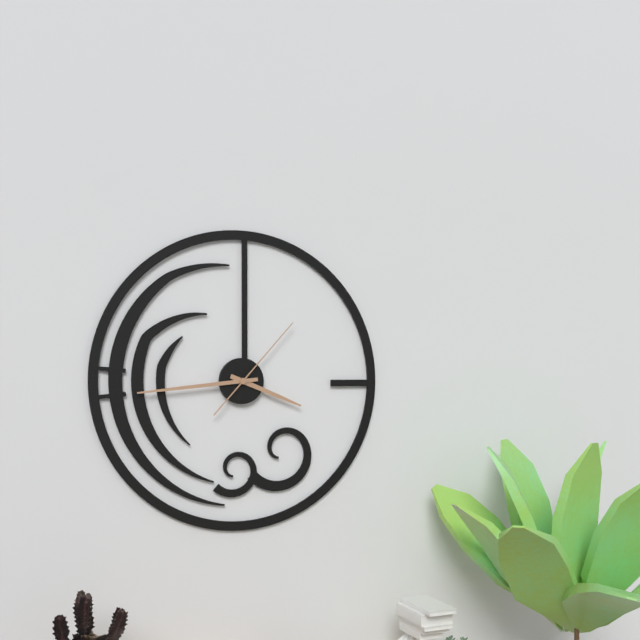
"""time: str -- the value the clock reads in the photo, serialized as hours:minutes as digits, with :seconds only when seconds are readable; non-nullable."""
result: 3:44:07
